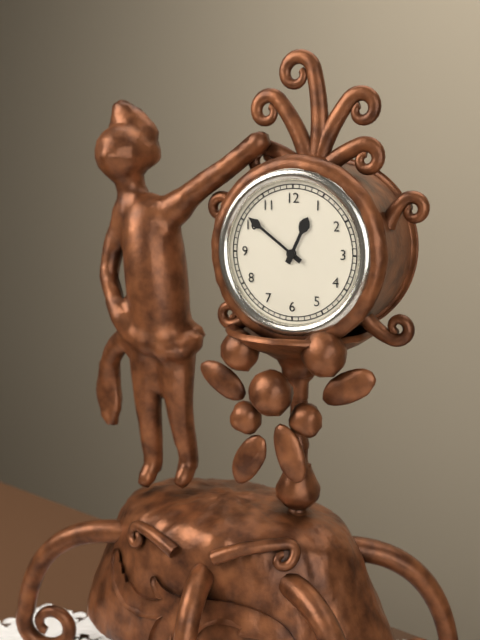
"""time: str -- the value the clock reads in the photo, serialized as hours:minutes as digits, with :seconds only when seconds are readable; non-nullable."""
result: 12:51
